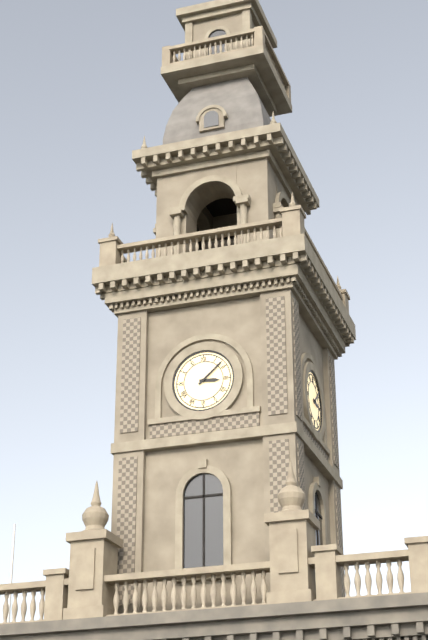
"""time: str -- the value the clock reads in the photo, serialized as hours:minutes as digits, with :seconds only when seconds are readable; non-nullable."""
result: 3:08
